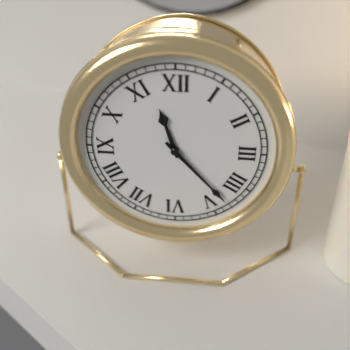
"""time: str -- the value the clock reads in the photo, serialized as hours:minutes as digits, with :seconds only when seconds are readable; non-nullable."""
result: 11:23
